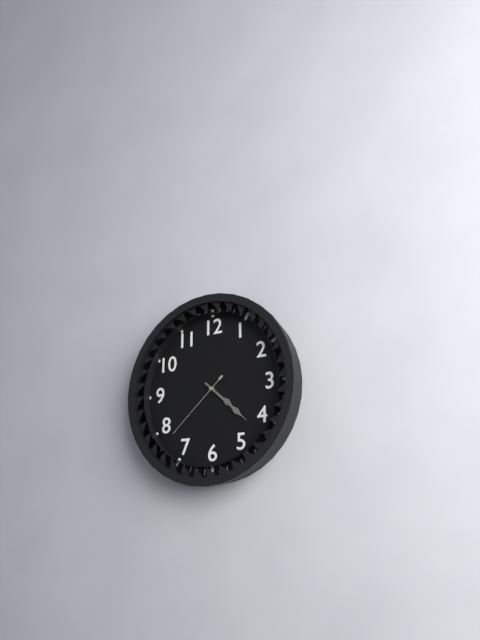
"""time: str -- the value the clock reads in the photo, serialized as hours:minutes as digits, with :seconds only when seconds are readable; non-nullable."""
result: 4:22:38
